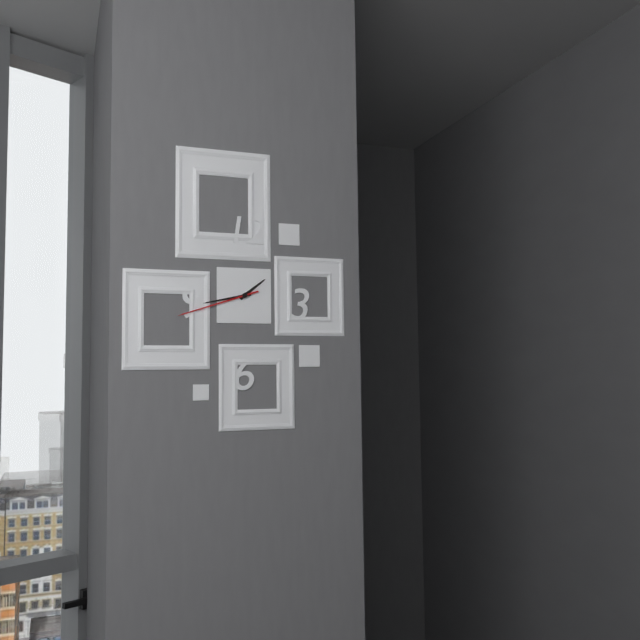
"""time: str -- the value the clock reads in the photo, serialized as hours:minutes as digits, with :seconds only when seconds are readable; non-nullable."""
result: 1:43:42
